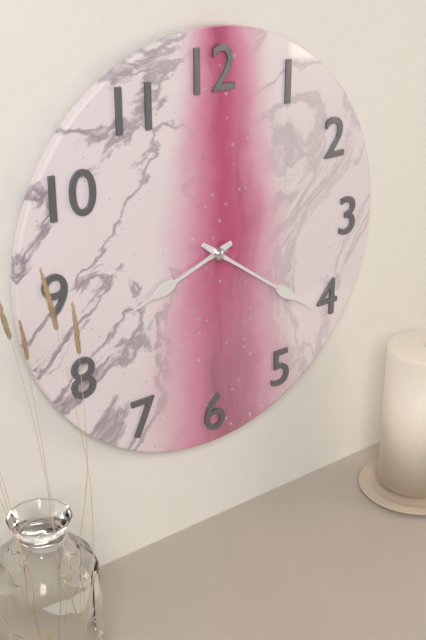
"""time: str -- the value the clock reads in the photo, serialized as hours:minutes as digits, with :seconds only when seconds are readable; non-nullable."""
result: 8:21
